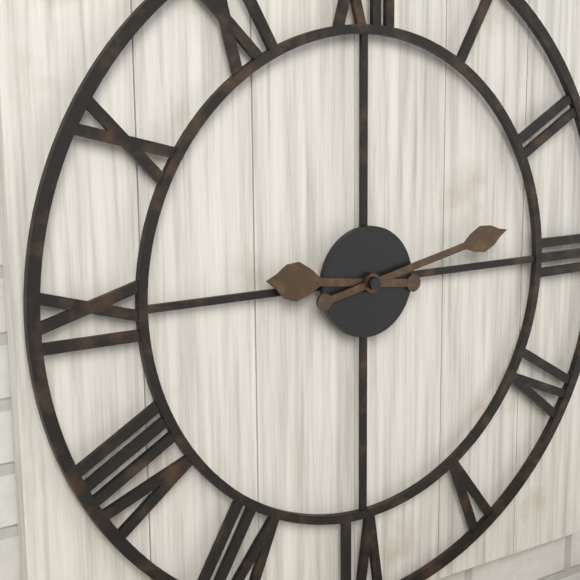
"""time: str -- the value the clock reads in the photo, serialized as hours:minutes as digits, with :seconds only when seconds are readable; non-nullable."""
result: 9:13
